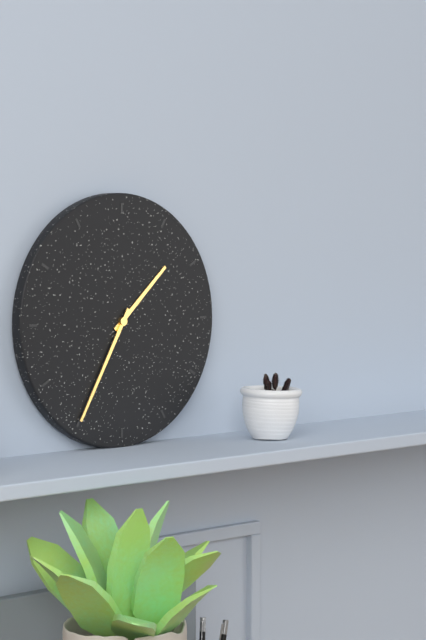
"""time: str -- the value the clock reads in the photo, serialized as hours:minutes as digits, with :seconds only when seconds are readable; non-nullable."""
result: 1:35
